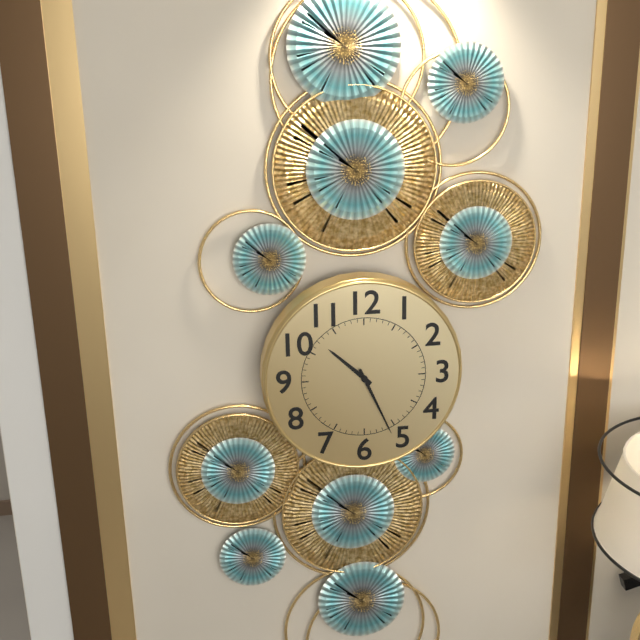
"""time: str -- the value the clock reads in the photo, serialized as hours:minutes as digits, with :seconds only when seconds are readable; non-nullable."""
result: 10:26
